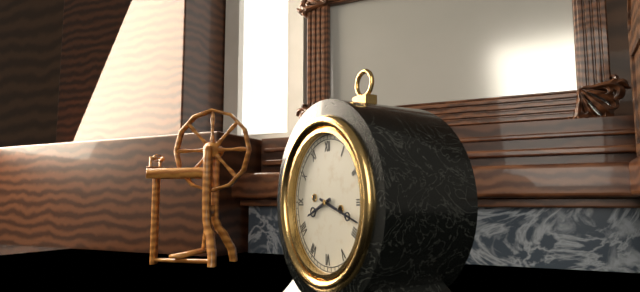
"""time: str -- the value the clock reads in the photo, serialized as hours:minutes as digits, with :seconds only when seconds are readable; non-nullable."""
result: 8:18
